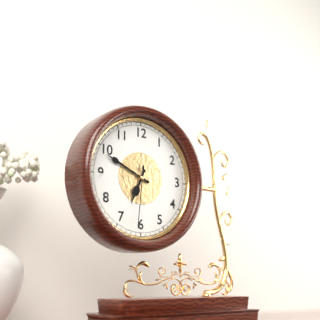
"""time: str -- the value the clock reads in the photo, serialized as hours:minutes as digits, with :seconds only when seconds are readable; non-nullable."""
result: 6:49:31
